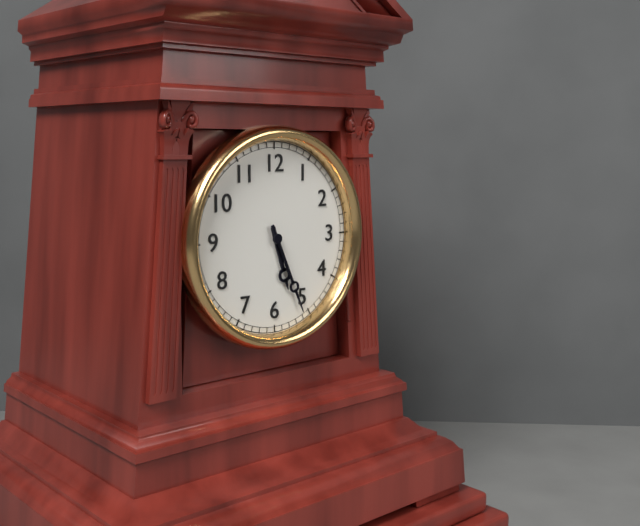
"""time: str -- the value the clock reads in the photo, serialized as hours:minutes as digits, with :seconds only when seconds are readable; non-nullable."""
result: 5:26
